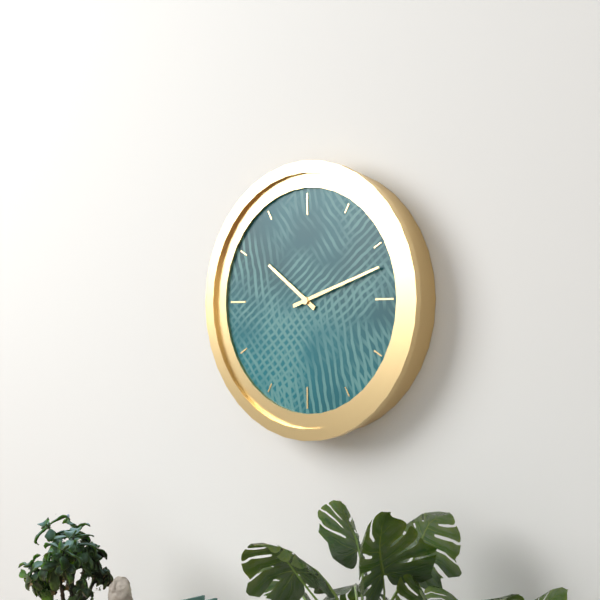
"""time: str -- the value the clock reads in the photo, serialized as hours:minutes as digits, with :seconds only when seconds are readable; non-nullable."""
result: 10:12
